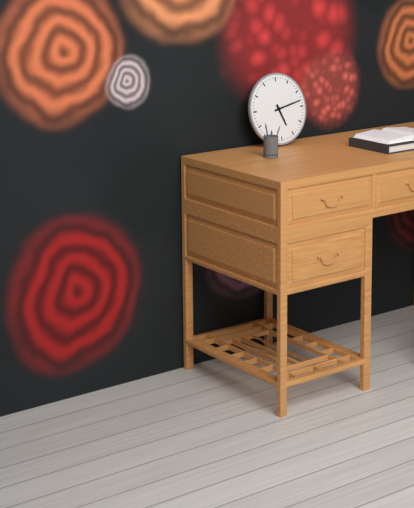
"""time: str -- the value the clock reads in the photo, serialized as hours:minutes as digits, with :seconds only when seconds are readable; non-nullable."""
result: 5:13
